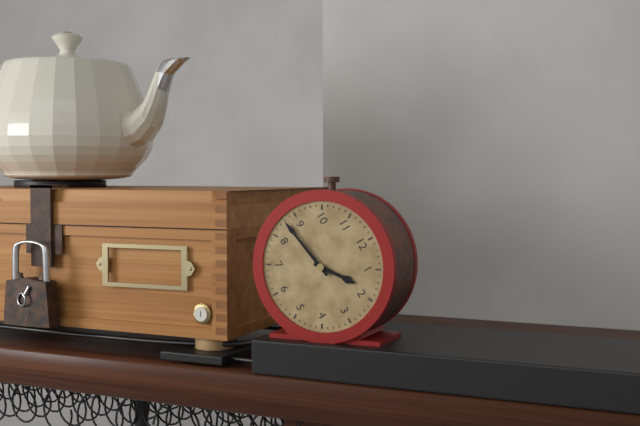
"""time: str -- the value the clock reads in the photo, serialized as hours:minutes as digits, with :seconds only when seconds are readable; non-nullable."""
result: 1:43
